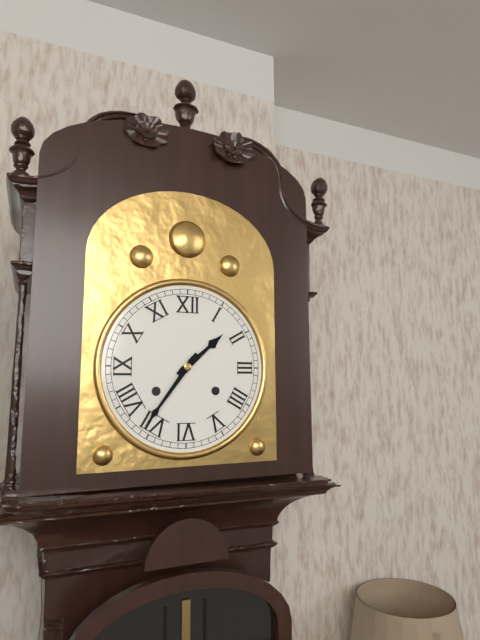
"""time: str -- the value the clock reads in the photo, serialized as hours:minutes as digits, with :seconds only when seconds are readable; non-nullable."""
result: 1:36
